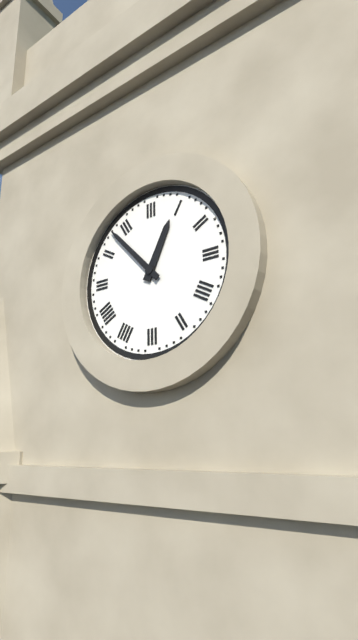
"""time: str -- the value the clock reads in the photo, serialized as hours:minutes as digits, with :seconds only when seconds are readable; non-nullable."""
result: 12:53
